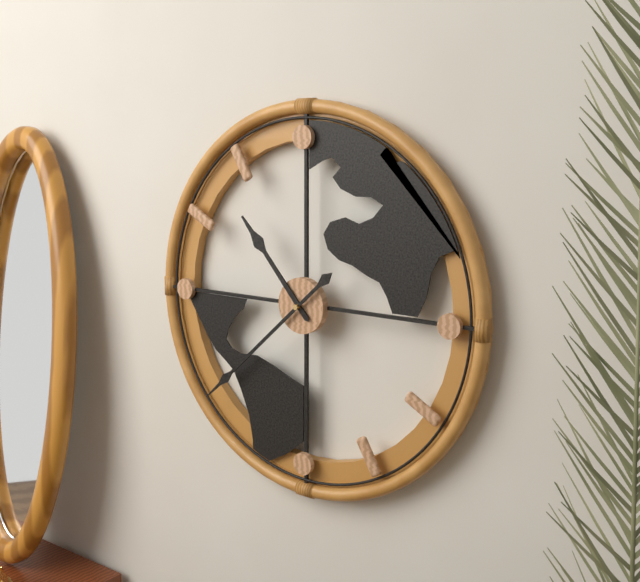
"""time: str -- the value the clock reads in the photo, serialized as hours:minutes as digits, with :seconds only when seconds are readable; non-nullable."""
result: 10:38
